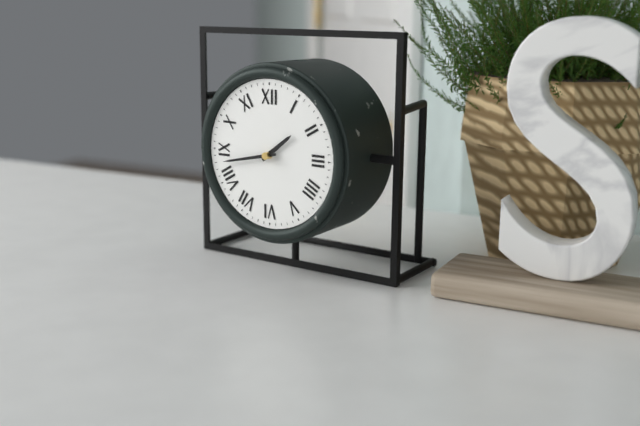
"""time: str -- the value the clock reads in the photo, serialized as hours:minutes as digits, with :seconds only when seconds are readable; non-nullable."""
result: 1:43
